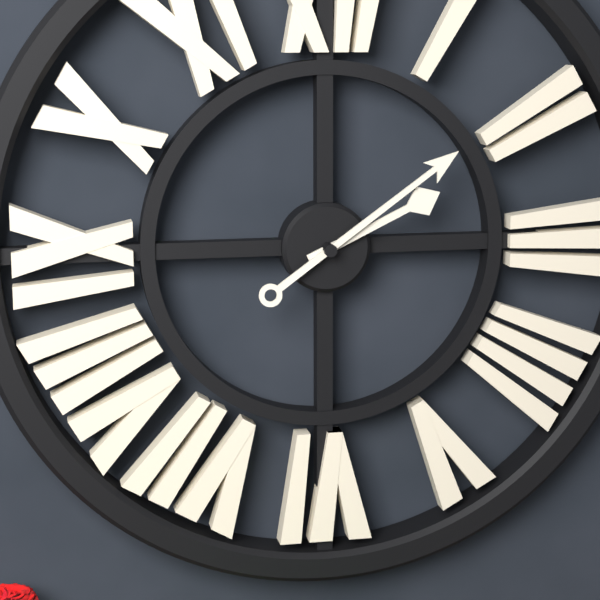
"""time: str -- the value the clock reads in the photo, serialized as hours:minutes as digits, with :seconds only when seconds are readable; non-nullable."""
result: 2:09
